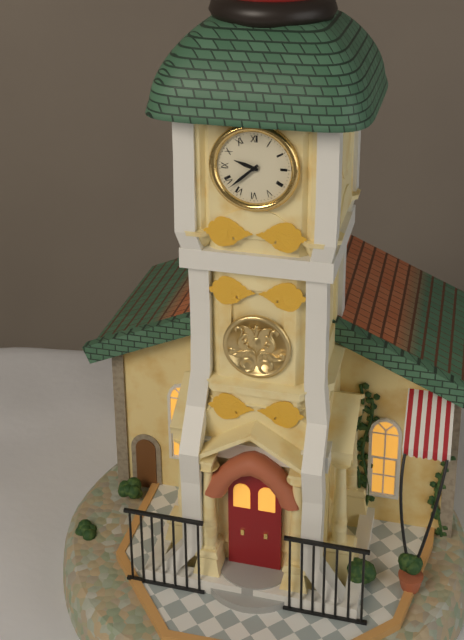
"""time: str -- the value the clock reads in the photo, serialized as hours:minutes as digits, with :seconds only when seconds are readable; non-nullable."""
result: 9:38
